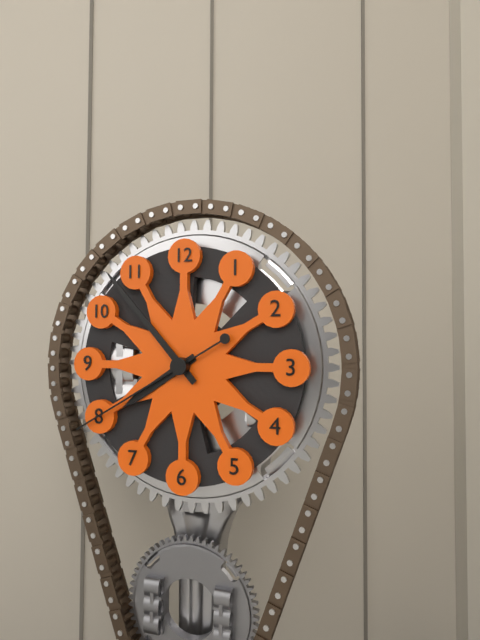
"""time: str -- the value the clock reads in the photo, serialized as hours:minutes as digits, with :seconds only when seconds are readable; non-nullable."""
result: 7:53:40
